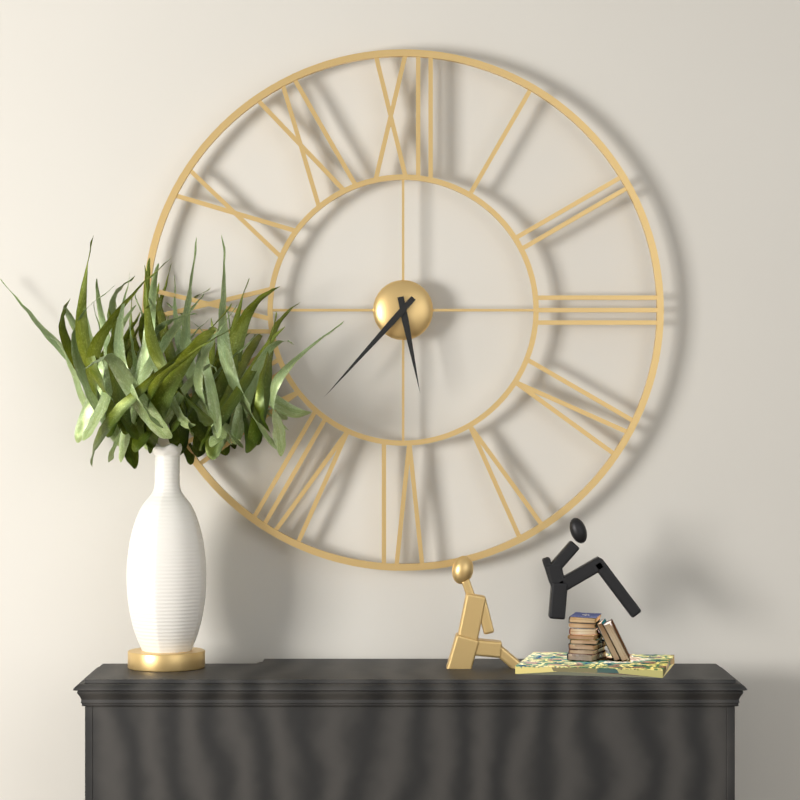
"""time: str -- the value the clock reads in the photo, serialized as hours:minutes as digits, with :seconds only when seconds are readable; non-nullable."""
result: 5:37
